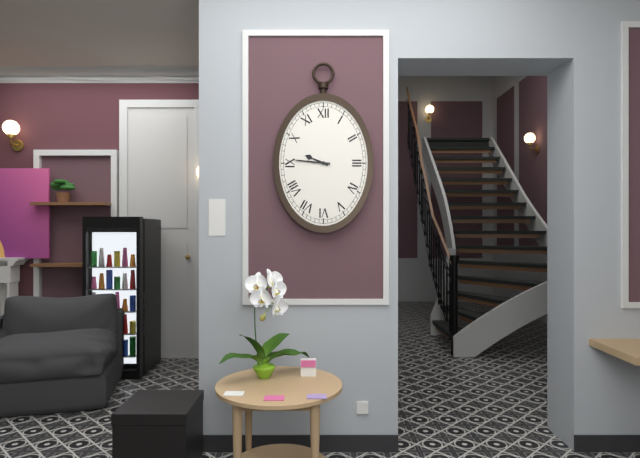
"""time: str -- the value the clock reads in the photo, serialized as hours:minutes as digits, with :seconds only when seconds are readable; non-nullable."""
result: 9:46
